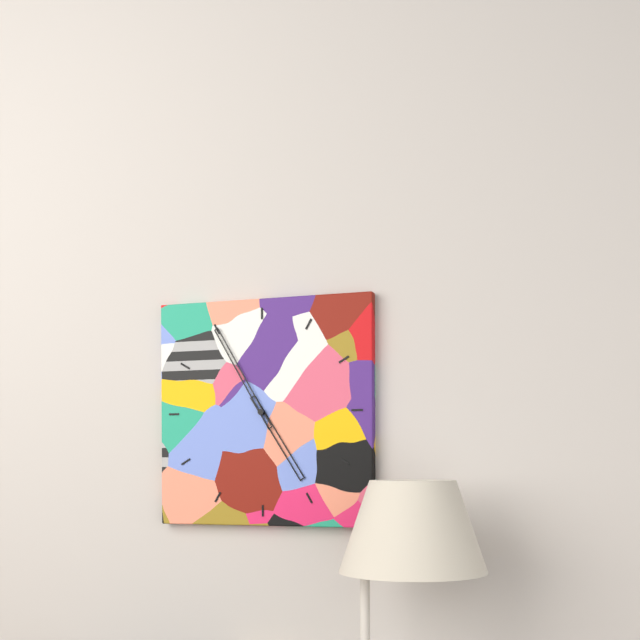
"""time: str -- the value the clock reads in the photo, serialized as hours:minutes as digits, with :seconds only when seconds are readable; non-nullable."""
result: 4:55
